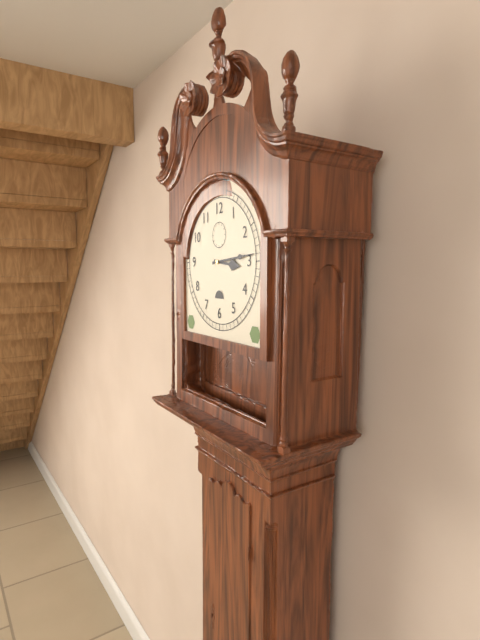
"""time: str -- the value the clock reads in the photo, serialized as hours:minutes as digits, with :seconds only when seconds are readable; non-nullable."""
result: 3:14
